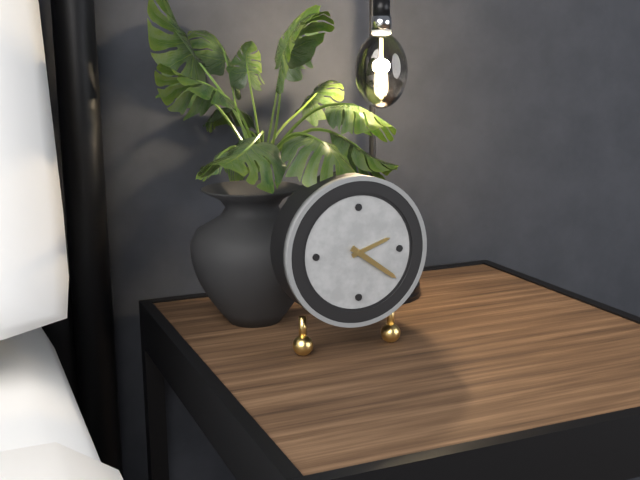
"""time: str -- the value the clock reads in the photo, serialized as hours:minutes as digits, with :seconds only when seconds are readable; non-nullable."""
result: 2:21
